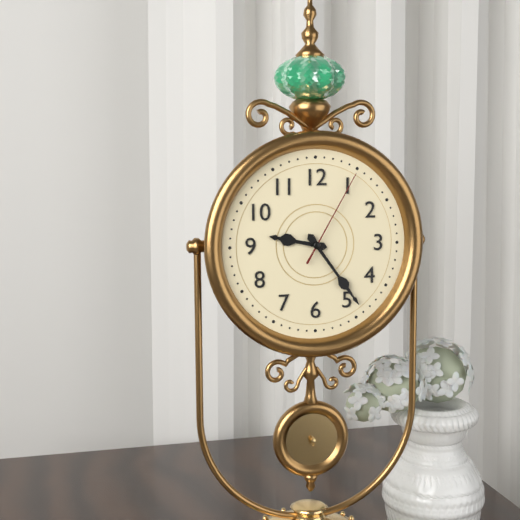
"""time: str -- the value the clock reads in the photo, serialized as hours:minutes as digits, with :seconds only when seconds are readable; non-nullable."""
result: 9:24:05
